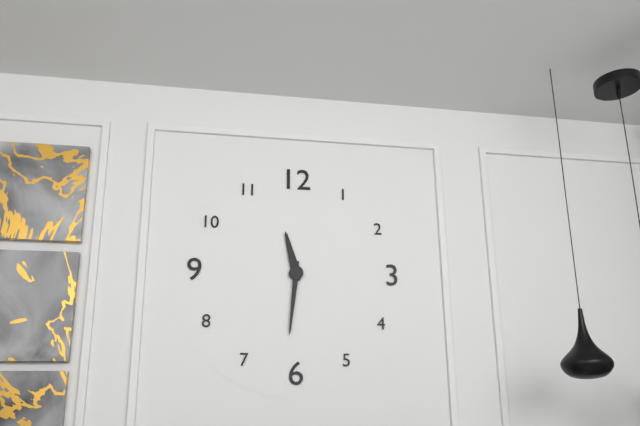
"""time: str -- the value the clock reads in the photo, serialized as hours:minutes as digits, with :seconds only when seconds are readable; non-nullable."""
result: 11:31
